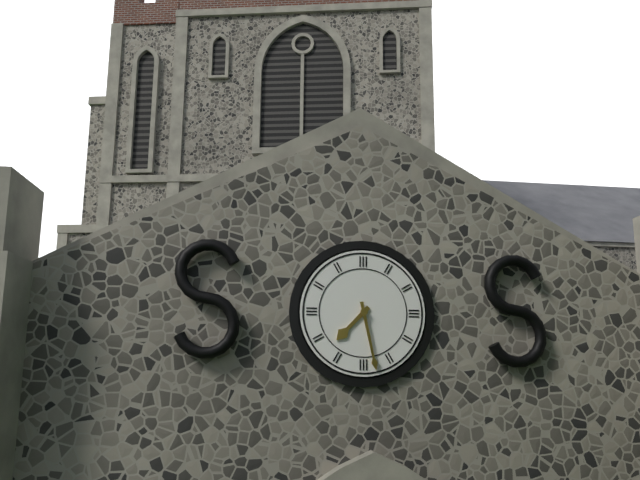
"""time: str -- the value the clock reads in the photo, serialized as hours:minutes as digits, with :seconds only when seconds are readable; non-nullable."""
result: 7:28
